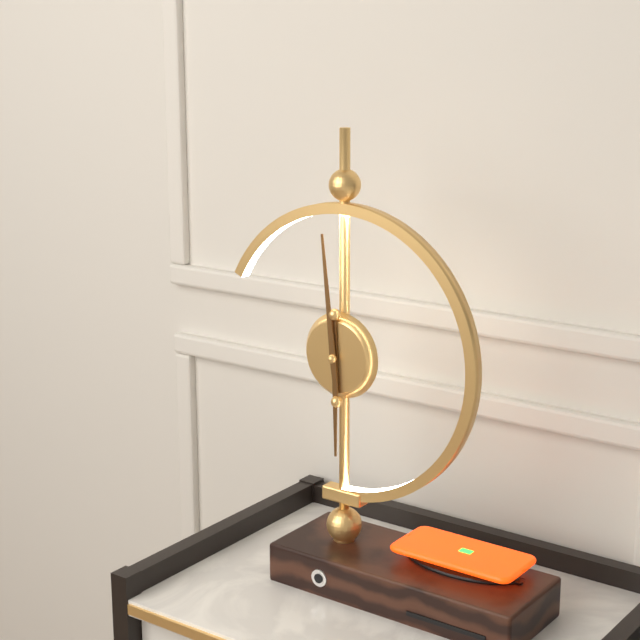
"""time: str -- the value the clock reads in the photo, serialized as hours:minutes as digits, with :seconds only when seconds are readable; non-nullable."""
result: 5:59
